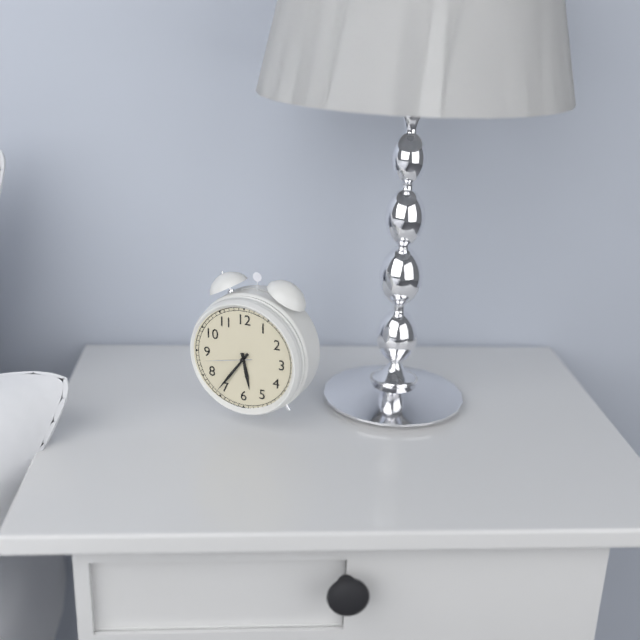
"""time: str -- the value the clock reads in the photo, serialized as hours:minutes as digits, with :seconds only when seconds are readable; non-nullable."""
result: 5:36
